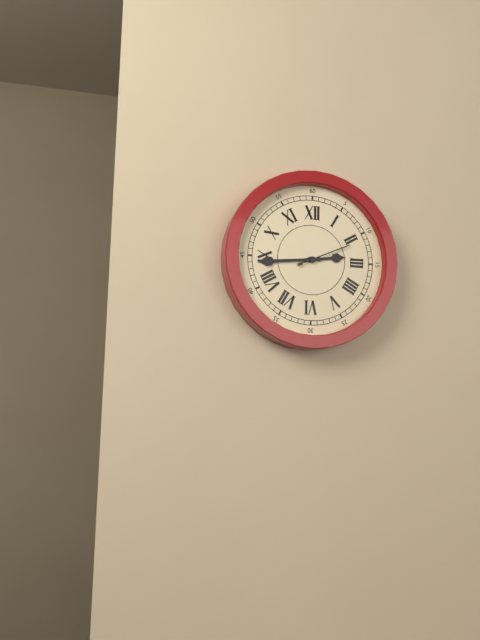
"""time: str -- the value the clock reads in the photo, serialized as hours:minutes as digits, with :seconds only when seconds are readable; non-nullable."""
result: 2:44:11
